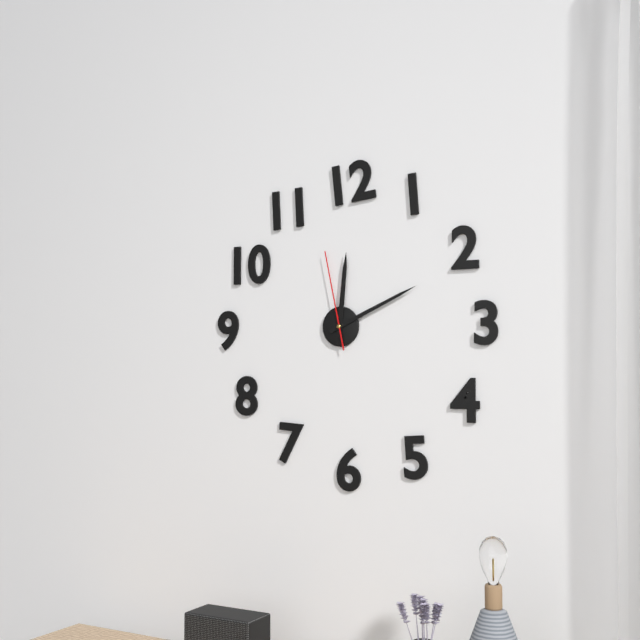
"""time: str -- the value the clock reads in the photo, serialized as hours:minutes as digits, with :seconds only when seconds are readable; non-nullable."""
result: 12:11:58
